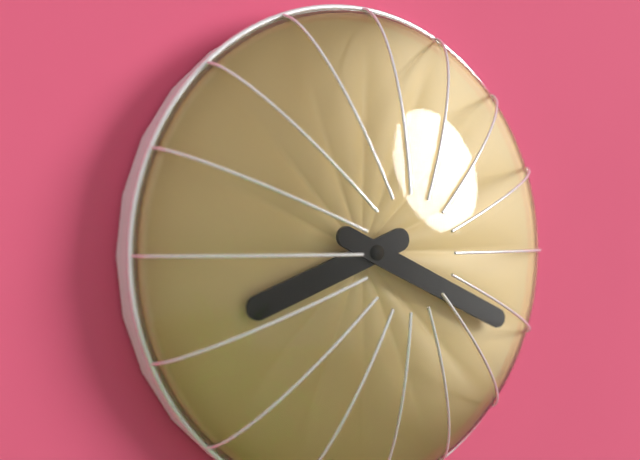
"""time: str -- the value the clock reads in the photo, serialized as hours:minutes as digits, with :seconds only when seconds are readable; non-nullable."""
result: 8:19
